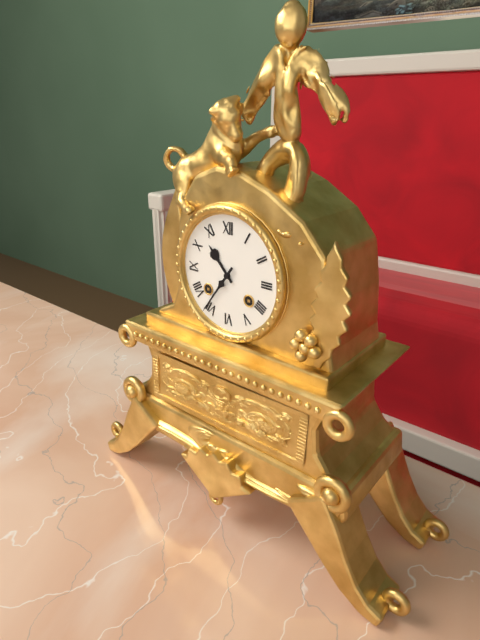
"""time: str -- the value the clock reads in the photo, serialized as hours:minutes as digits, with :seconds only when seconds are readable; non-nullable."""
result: 10:36
